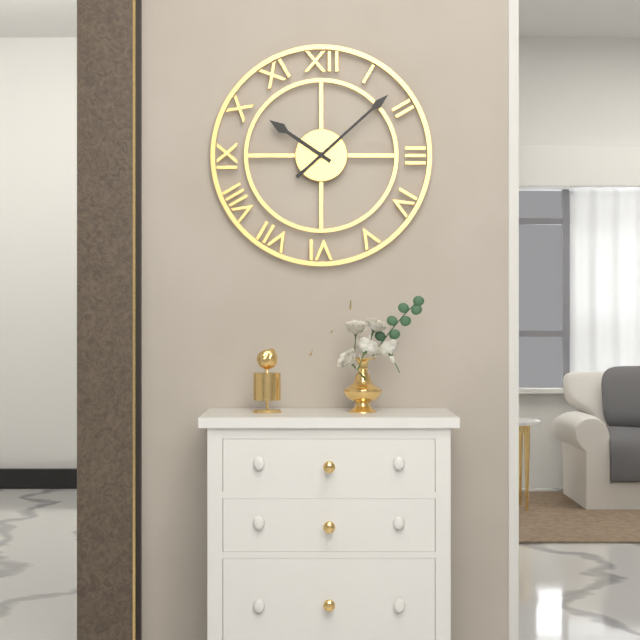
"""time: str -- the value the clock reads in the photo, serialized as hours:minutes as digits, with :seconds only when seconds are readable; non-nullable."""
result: 10:08
